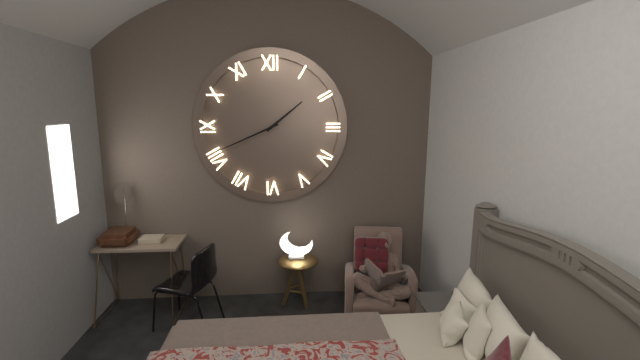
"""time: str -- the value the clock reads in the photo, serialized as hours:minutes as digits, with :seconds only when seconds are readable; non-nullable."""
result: 1:41
